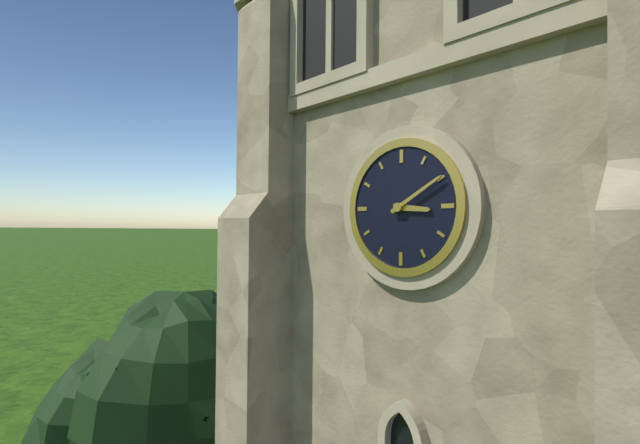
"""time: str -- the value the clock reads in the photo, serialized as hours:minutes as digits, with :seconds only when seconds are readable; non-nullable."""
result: 3:10
